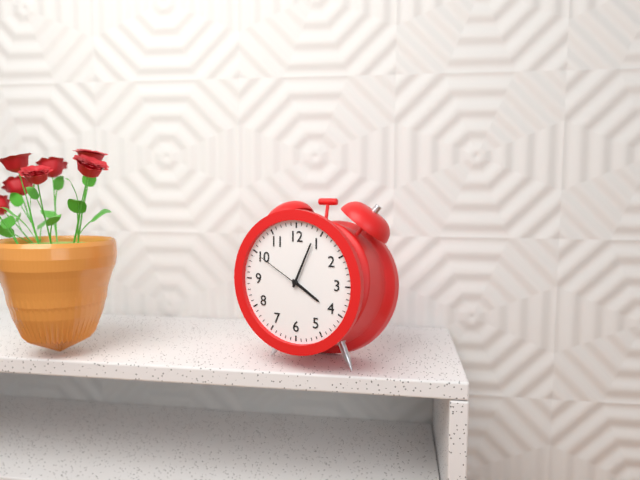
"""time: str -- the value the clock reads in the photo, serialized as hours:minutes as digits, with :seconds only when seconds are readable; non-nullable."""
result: 4:04:50
